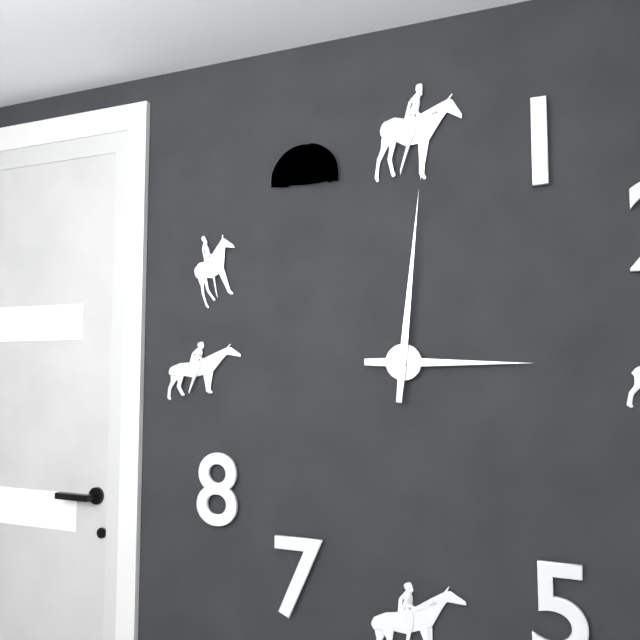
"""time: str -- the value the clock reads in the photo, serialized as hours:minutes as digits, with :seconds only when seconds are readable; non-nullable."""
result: 3:01
